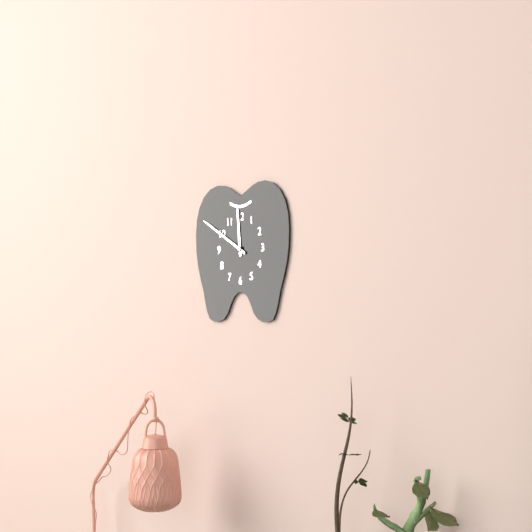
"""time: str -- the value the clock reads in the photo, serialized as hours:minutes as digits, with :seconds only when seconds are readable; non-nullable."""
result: 11:50
